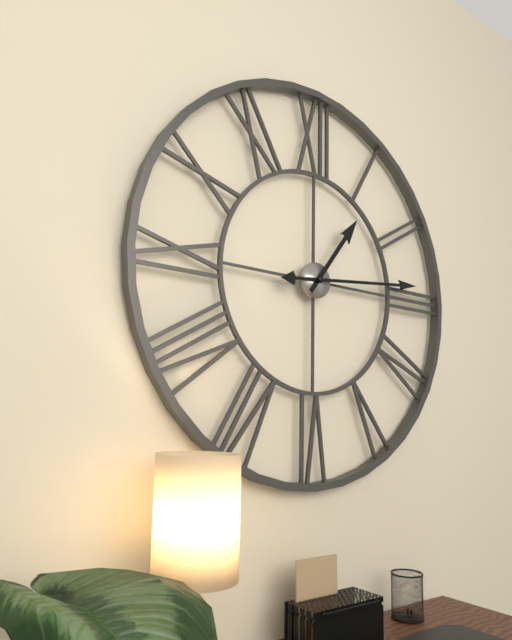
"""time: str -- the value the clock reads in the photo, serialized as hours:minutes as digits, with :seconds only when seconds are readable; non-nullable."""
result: 1:14
